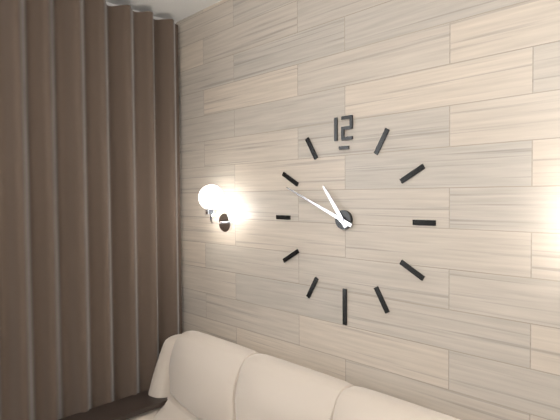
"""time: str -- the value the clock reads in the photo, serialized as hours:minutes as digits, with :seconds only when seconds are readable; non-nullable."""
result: 10:49
